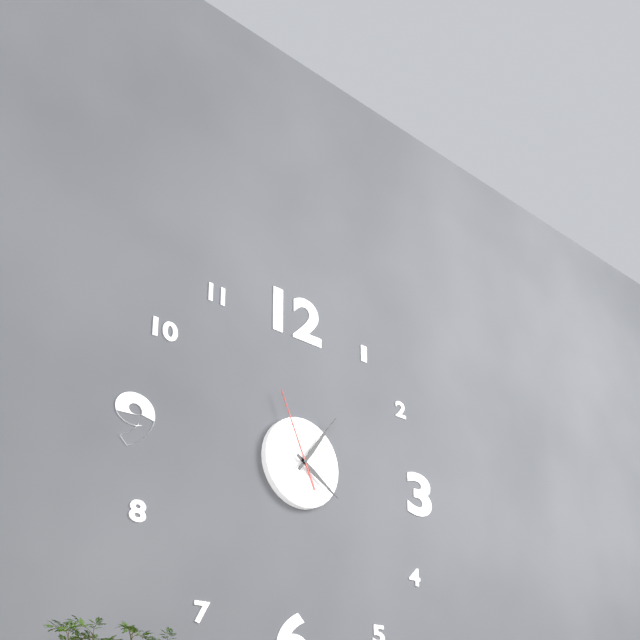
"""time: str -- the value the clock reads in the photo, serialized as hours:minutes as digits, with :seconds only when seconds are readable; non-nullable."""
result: 4:06:56
